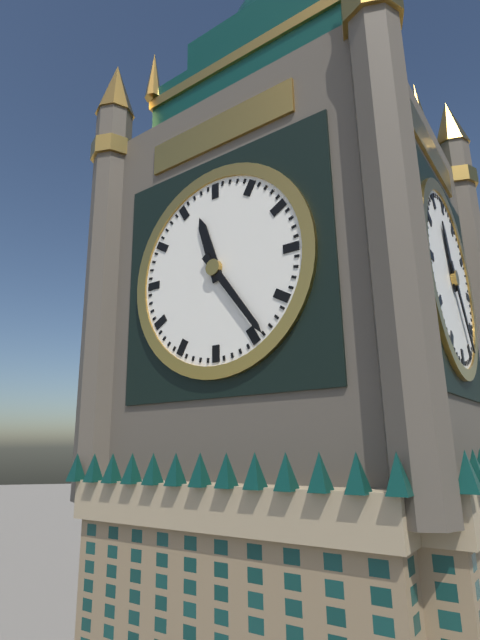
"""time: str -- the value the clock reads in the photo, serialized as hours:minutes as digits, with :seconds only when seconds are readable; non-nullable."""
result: 11:24
